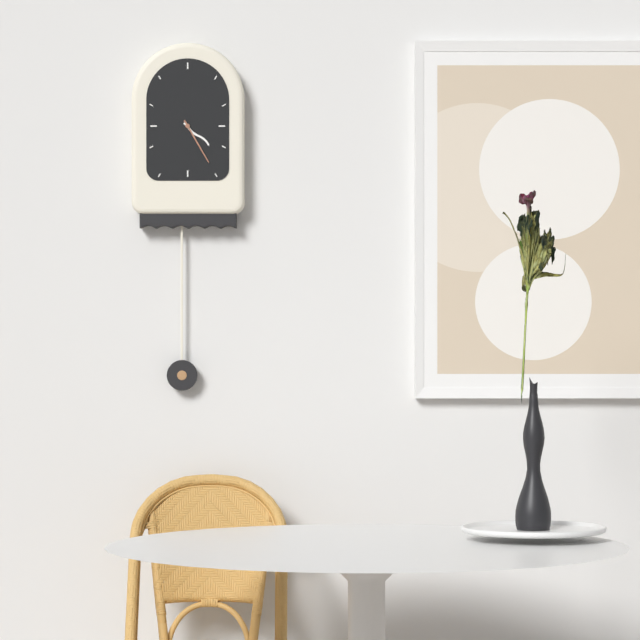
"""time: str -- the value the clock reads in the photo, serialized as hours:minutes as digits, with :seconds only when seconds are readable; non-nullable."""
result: 4:25
